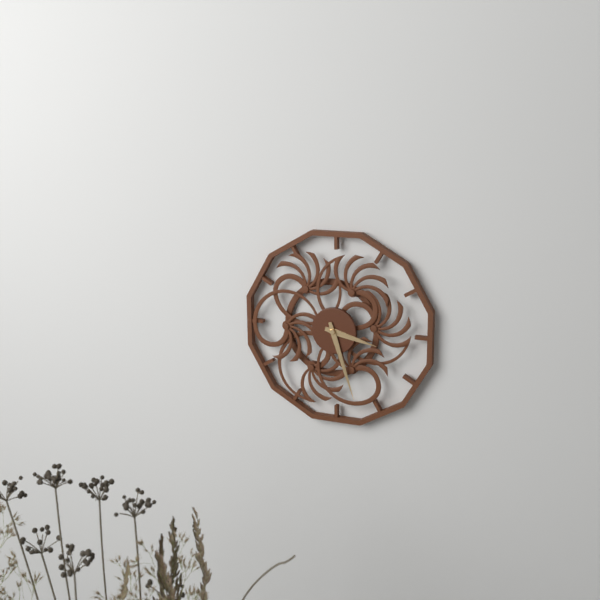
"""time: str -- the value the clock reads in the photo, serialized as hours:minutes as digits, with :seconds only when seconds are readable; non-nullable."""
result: 3:27
